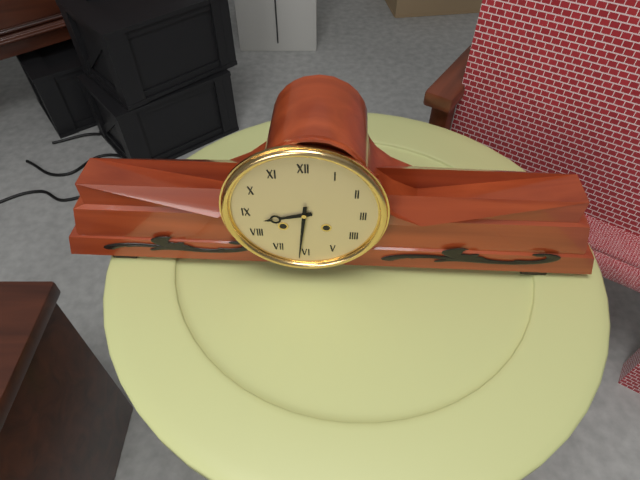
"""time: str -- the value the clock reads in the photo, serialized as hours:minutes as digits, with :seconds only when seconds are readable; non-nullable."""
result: 8:31
